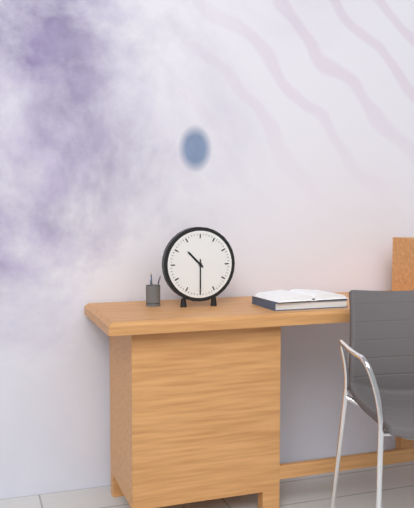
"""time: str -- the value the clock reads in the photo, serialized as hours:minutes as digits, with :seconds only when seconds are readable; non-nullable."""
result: 10:30
